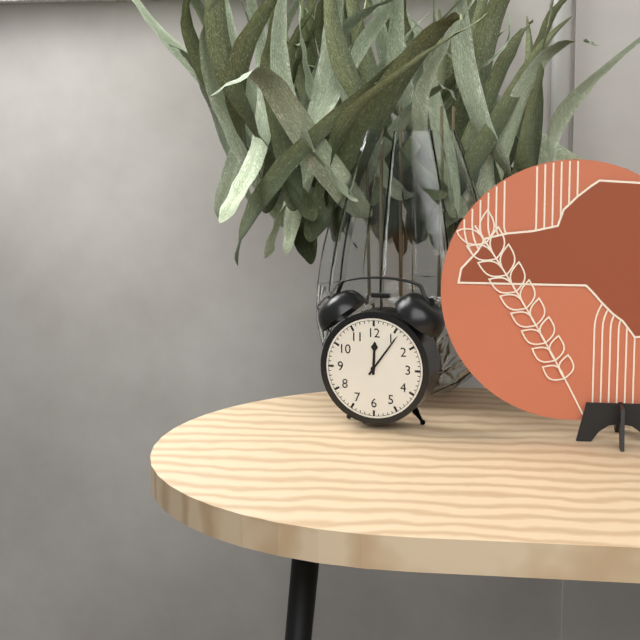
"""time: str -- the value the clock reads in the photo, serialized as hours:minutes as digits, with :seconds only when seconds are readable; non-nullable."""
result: 12:06
